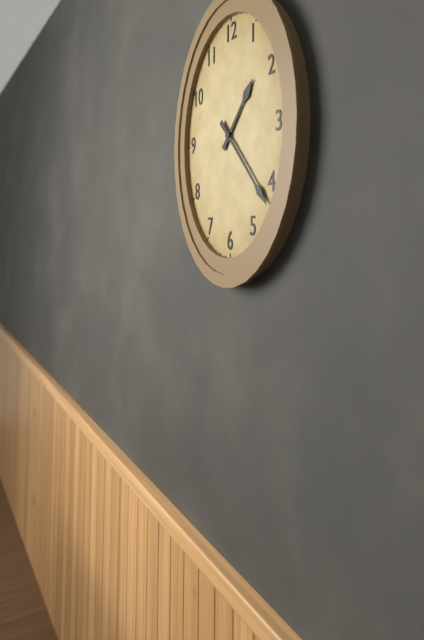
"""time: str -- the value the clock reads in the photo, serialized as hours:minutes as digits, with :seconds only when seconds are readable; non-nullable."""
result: 1:23
